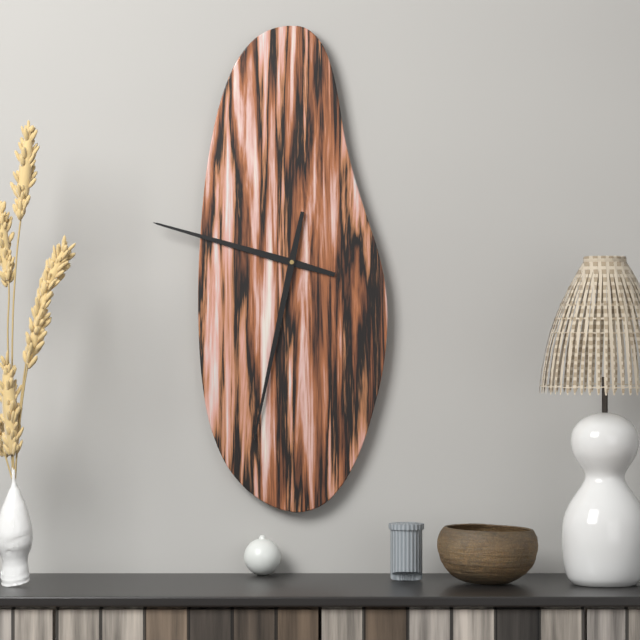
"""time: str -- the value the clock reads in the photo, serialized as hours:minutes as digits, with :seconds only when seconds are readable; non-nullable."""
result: 9:32
